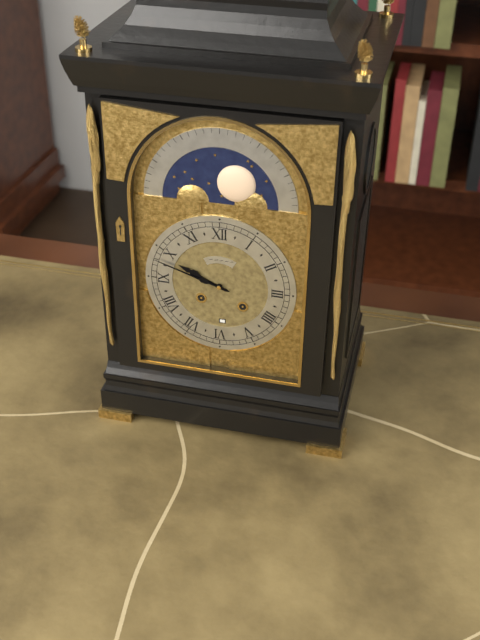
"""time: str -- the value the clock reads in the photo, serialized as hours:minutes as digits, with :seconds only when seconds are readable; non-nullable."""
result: 9:48
